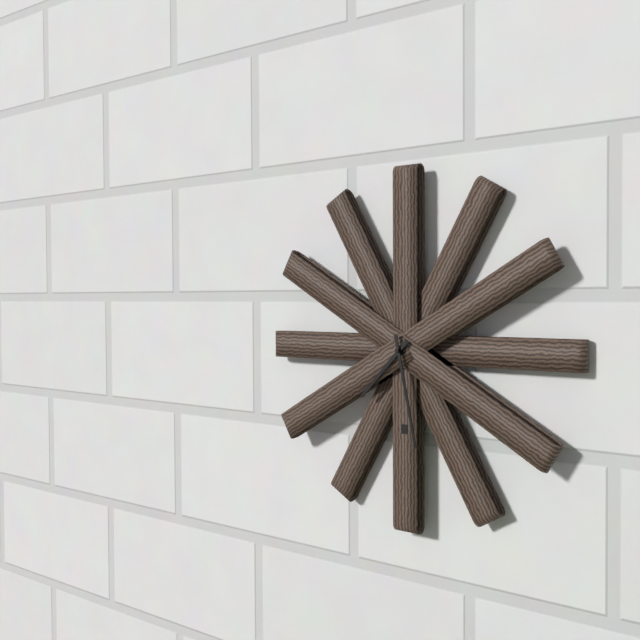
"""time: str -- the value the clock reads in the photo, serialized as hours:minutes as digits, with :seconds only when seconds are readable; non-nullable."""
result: 7:28
